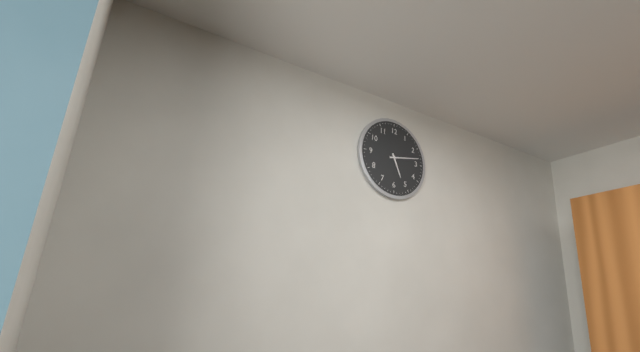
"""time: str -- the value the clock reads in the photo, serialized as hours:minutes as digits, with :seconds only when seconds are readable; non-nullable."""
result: 5:13
